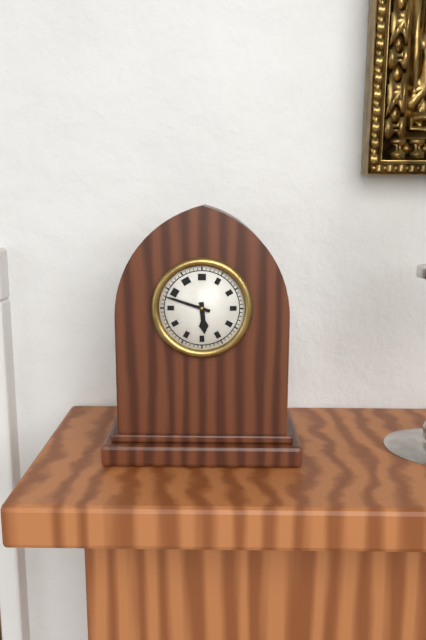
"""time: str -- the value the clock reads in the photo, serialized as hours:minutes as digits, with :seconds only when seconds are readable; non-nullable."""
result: 5:48
